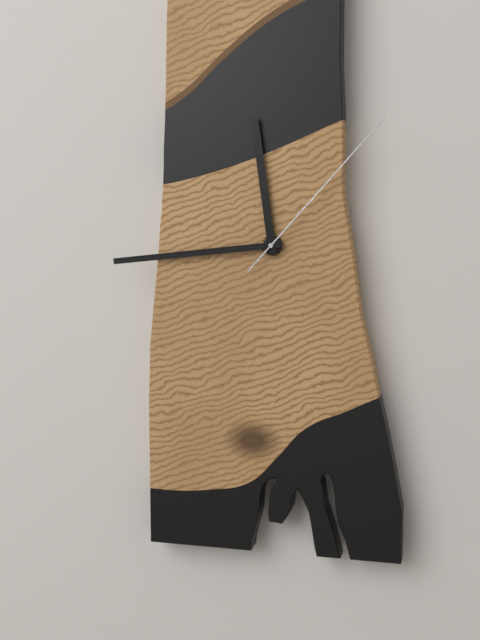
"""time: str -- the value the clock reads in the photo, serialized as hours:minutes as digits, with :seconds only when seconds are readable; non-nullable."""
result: 11:44:07
